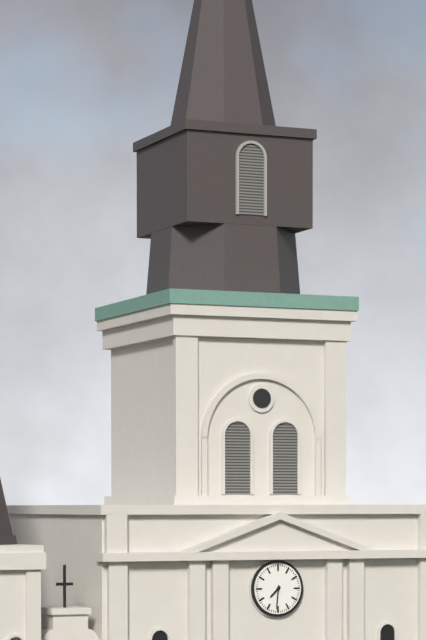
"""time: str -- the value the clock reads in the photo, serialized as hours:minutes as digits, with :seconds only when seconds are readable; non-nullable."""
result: 7:31
